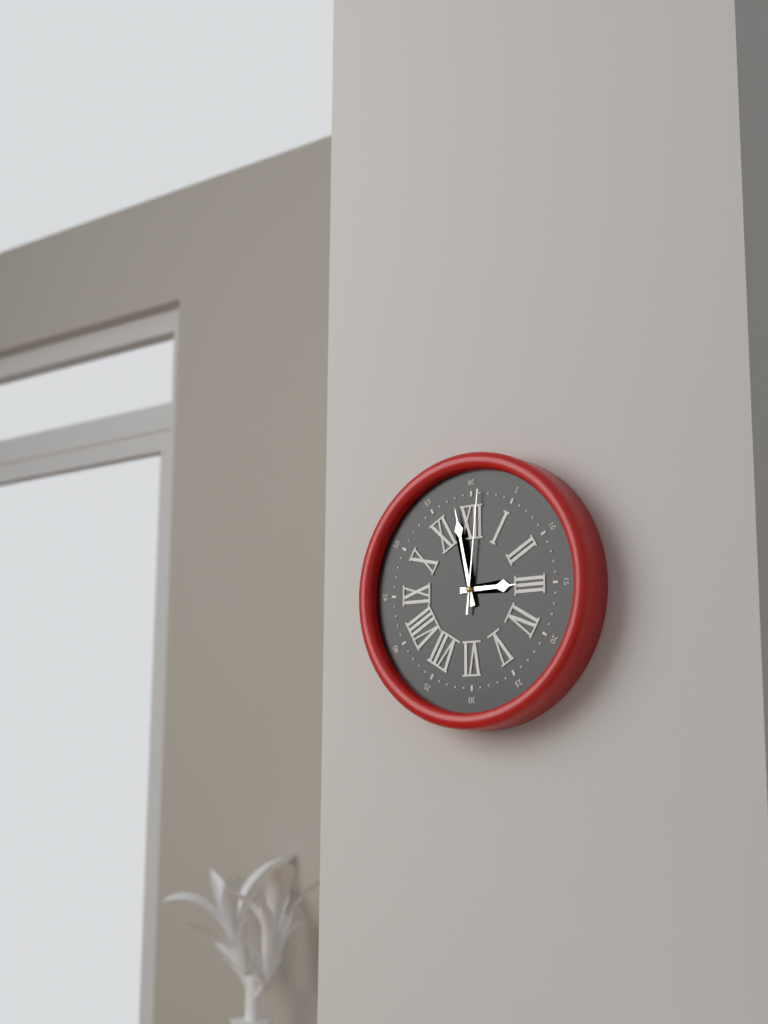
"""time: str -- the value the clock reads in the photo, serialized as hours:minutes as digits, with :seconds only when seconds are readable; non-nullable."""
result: 2:58:01
